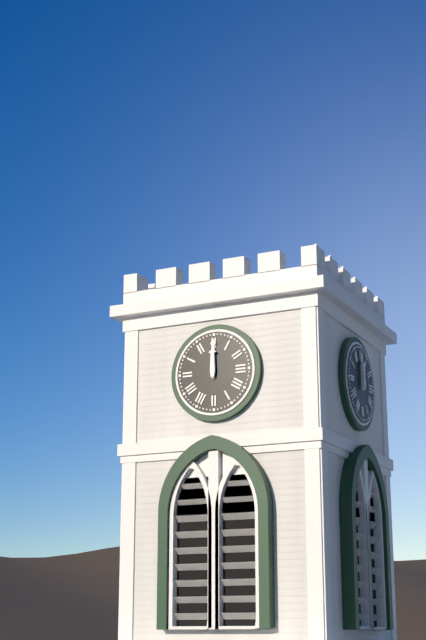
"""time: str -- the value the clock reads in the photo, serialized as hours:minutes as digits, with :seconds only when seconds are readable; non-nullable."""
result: 12:00
